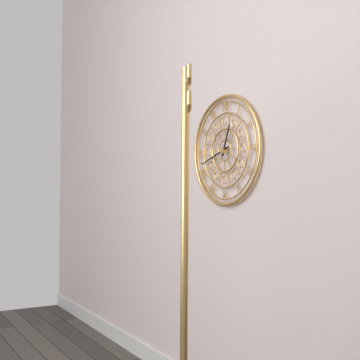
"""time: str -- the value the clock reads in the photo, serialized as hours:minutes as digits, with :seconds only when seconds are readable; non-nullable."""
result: 12:42
